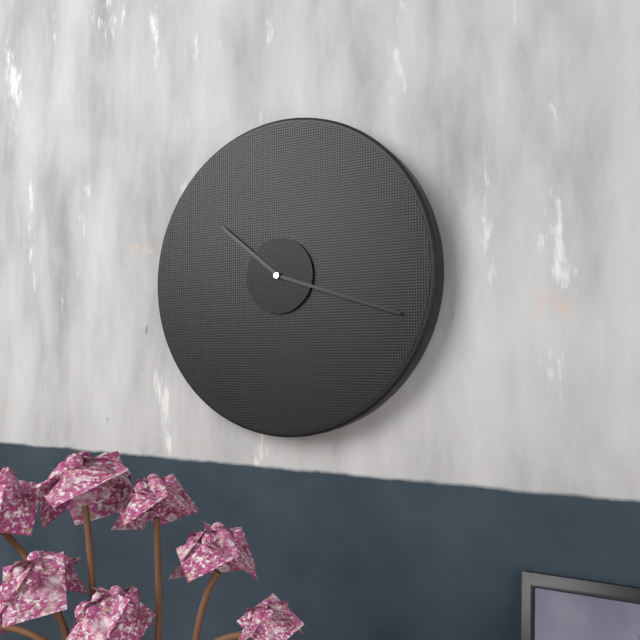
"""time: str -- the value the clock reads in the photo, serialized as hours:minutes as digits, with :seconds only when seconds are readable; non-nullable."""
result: 10:18
